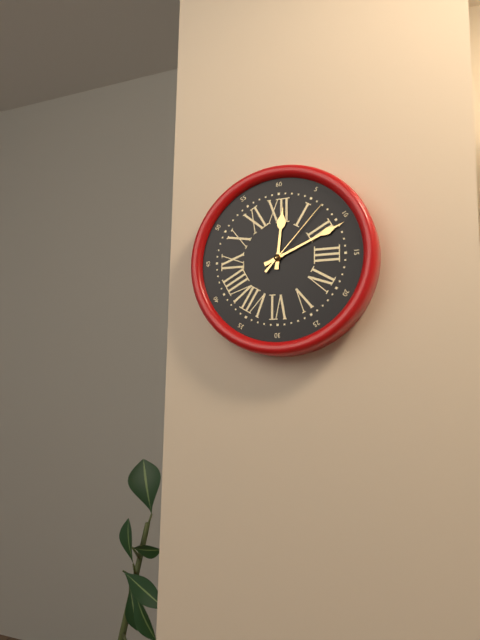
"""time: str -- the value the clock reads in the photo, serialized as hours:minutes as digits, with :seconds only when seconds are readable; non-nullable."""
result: 12:11:07
